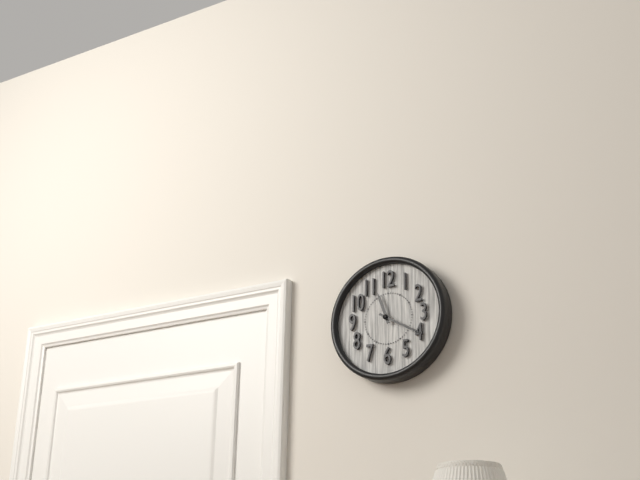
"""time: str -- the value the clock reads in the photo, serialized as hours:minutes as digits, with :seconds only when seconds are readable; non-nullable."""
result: 11:20
